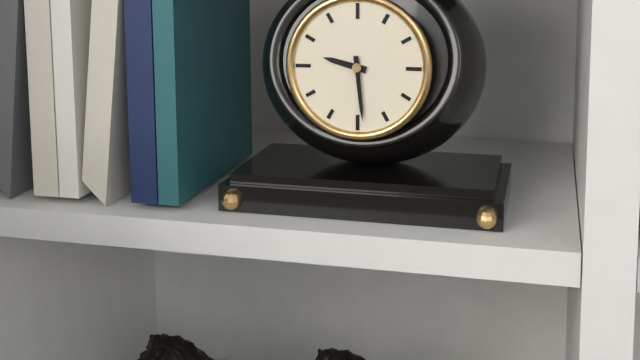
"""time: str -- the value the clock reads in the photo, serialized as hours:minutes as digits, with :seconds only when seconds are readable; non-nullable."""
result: 9:29
